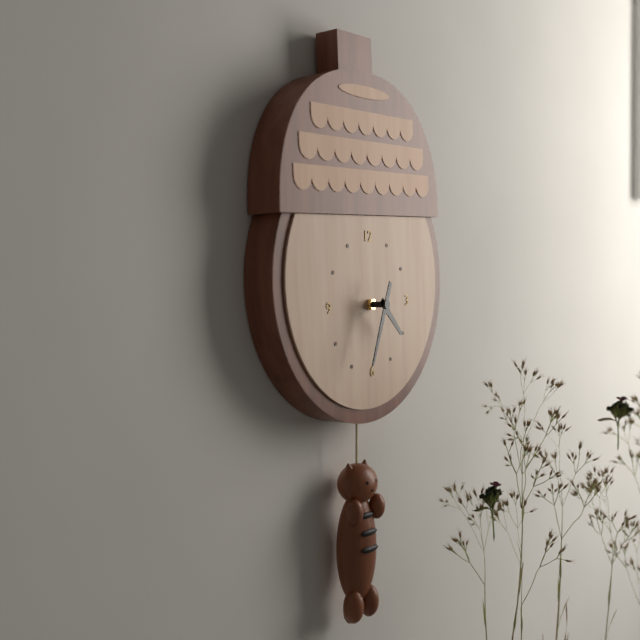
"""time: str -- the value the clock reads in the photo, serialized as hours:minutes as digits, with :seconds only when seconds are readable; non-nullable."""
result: 4:34
